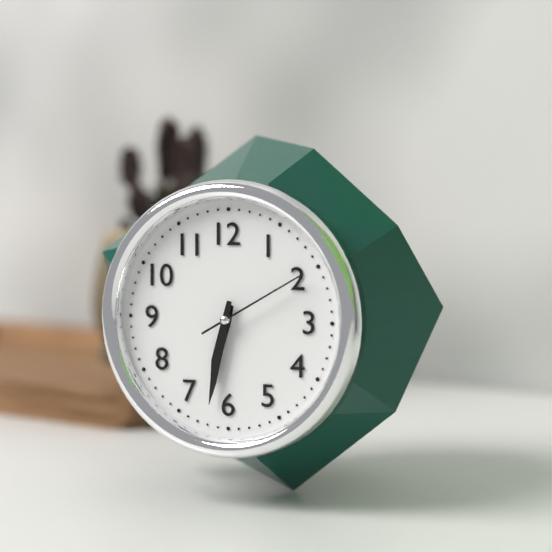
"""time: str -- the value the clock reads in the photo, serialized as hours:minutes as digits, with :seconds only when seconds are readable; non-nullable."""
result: 6:32:10
